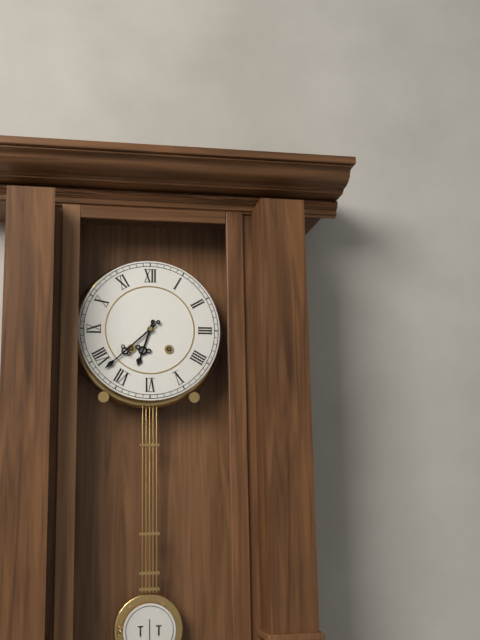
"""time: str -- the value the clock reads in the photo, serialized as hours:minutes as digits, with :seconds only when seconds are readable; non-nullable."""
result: 6:38
